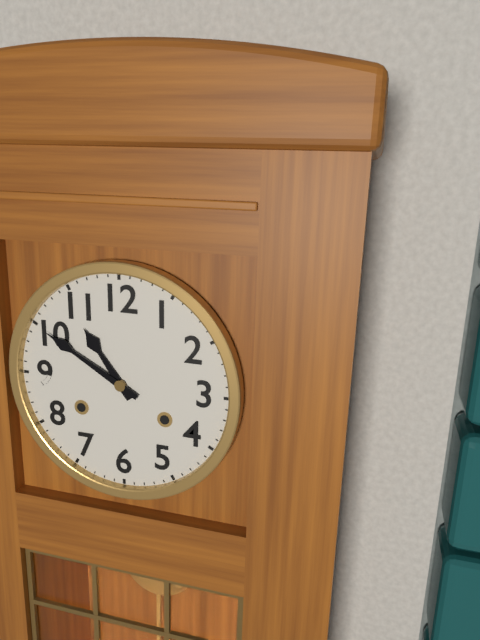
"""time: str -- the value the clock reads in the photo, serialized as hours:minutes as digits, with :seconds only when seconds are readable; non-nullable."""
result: 10:50
